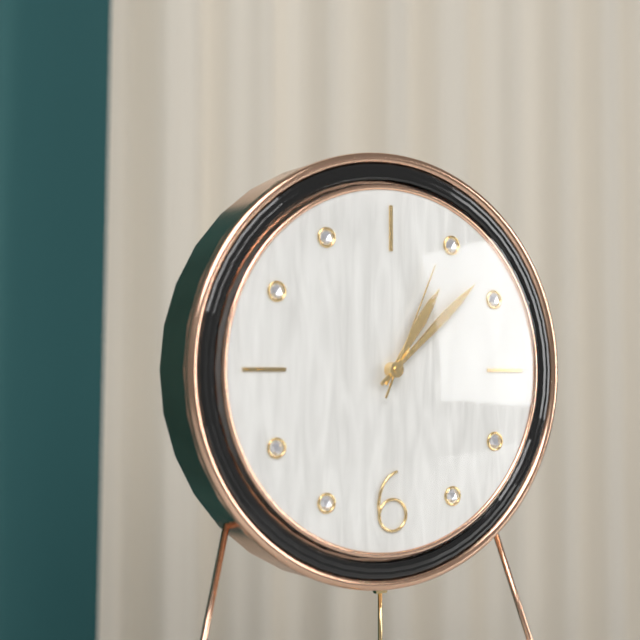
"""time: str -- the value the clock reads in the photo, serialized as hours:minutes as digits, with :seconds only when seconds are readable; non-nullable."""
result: 1:08:04
